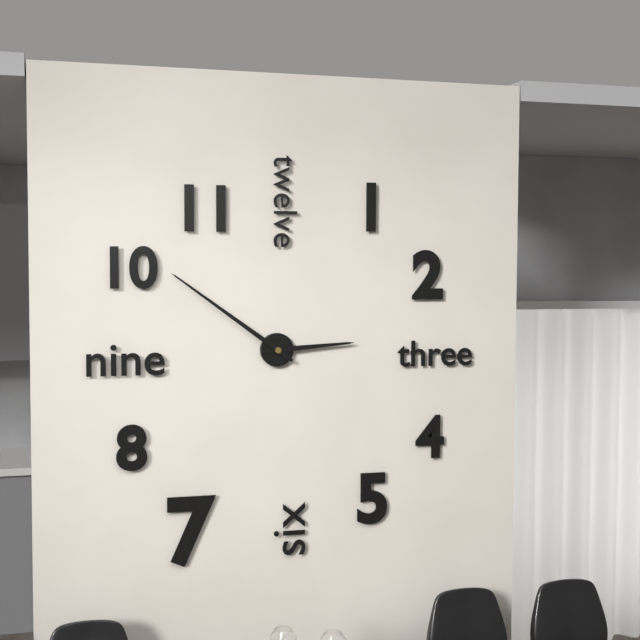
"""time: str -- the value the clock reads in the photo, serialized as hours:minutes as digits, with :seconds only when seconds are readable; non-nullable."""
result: 2:51
